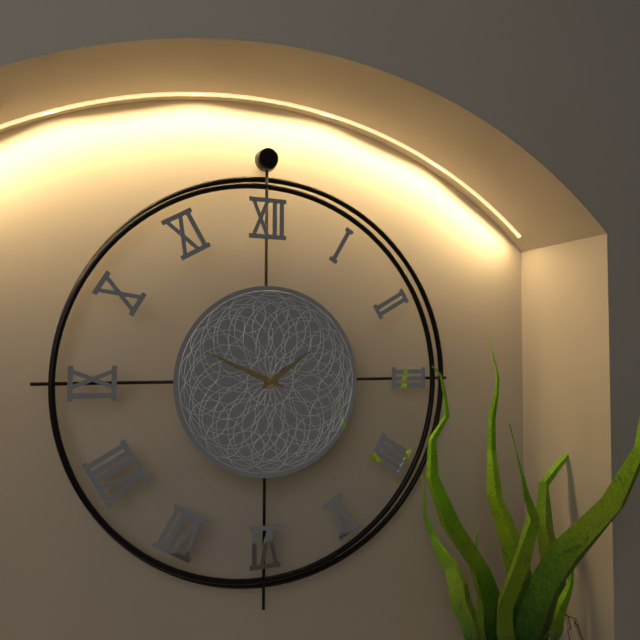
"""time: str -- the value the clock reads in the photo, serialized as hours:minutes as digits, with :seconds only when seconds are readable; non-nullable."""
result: 1:49
